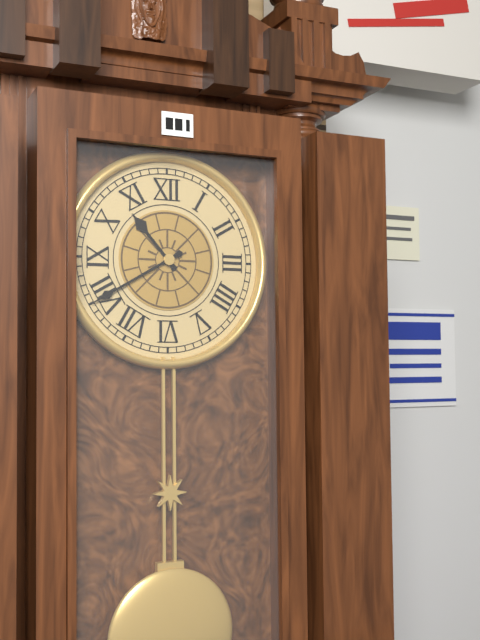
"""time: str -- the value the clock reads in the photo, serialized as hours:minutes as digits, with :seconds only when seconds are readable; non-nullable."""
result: 10:40
